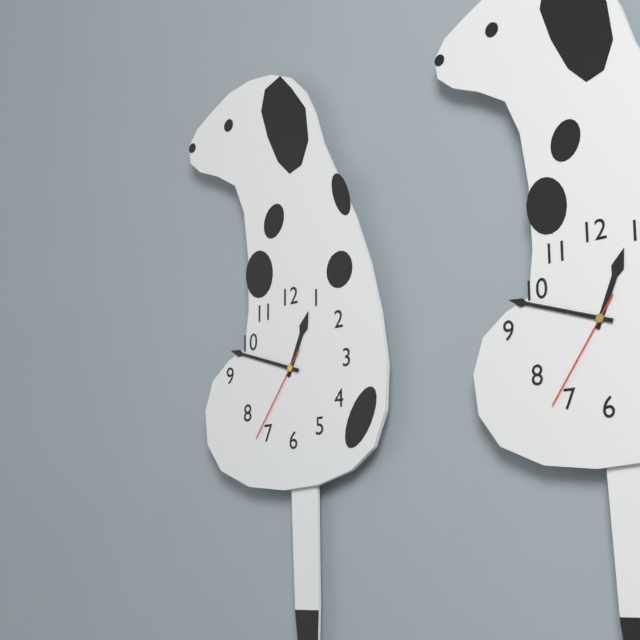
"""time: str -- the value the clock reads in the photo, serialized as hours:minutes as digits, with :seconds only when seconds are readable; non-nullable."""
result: 12:48:36
